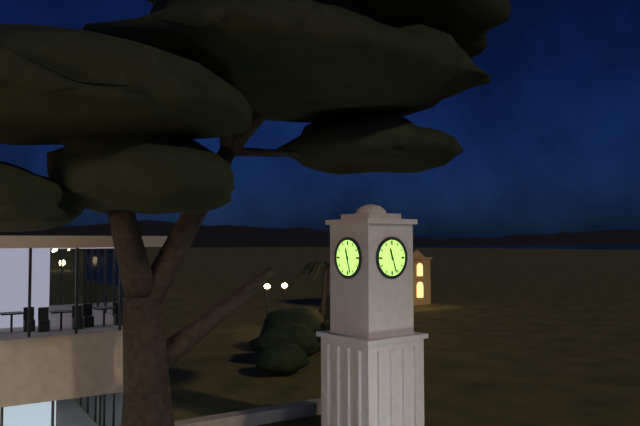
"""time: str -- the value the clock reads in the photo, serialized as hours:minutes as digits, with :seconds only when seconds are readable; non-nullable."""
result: 11:27
